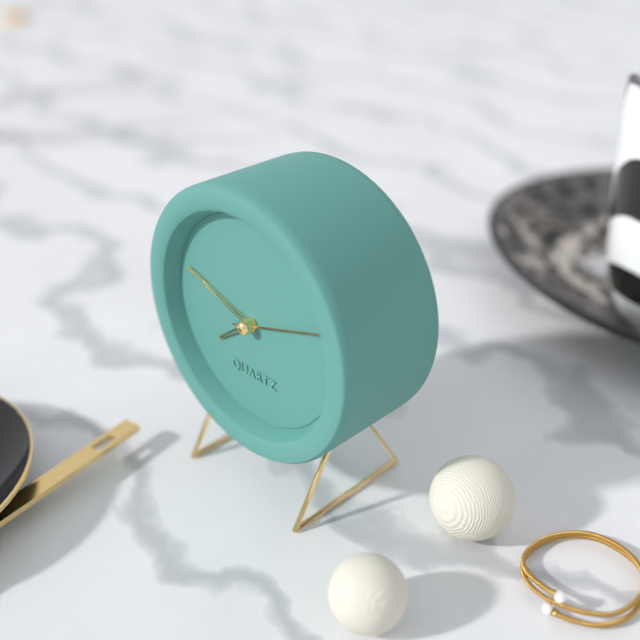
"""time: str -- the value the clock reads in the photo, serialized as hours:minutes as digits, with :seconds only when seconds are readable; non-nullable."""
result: 7:48:12
